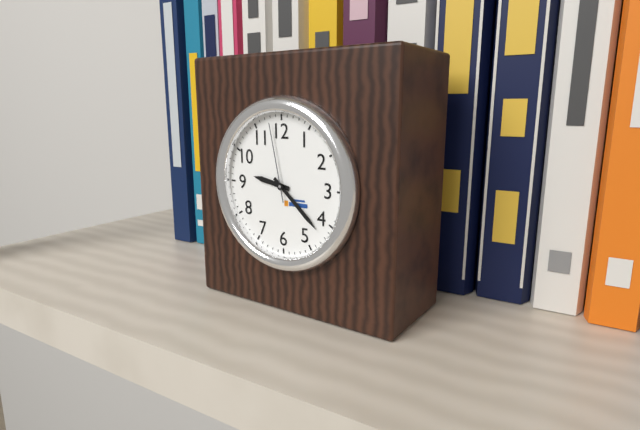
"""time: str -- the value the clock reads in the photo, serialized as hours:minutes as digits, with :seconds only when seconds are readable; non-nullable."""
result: 9:22:58
